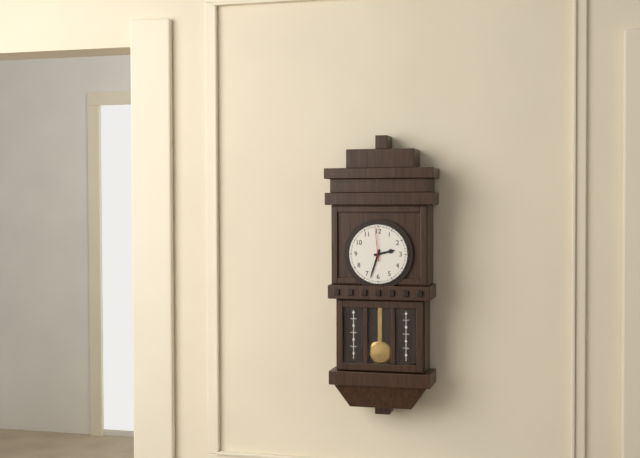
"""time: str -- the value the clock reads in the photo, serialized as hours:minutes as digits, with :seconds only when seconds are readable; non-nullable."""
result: 2:33
